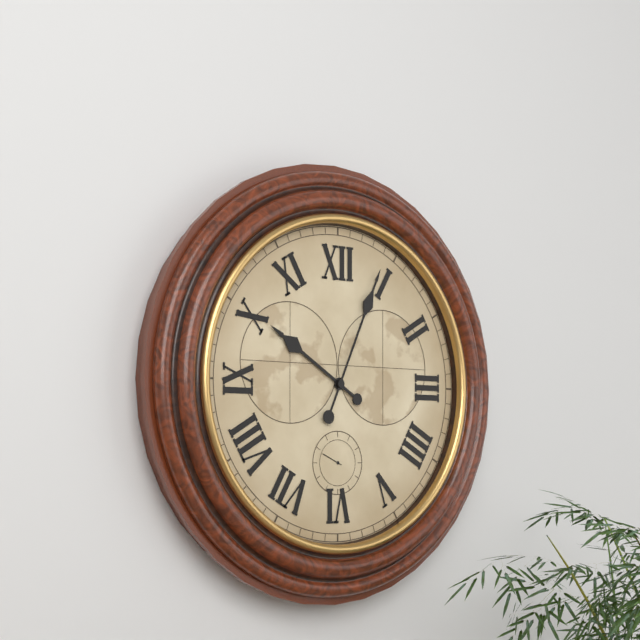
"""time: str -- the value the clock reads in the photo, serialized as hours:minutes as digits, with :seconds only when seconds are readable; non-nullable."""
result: 10:04
